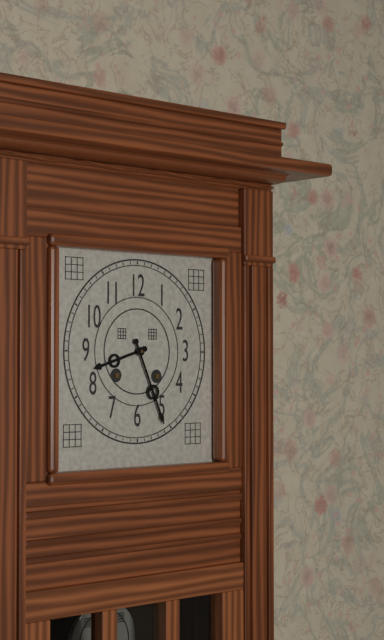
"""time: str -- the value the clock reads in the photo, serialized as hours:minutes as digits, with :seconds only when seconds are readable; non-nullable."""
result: 8:26
